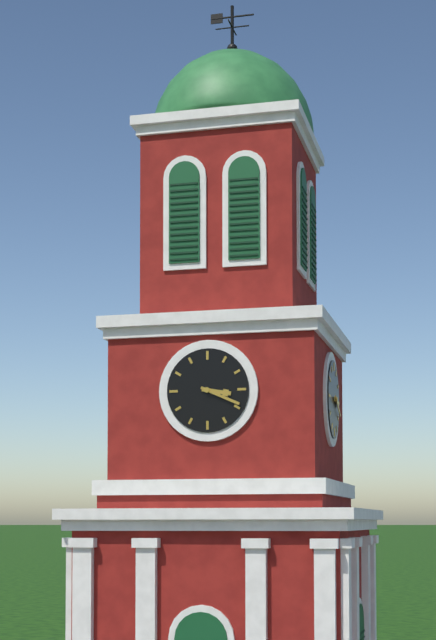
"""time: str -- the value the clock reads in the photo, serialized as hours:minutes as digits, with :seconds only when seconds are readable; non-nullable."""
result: 3:19
